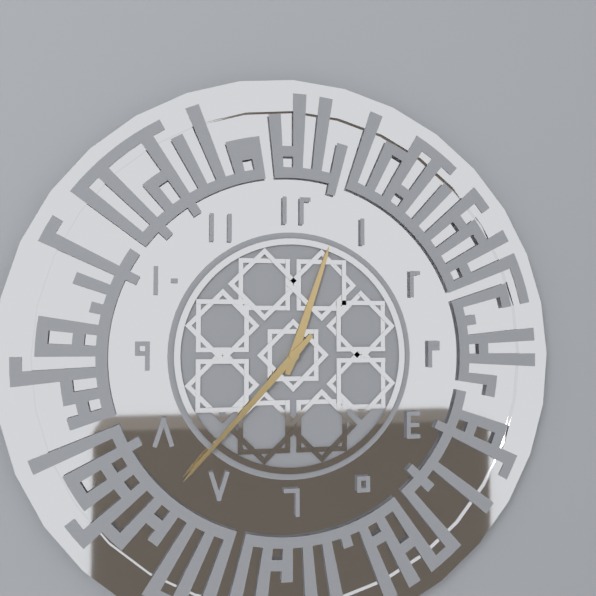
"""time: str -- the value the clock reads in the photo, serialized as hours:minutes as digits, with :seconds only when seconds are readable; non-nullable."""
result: 12:37
